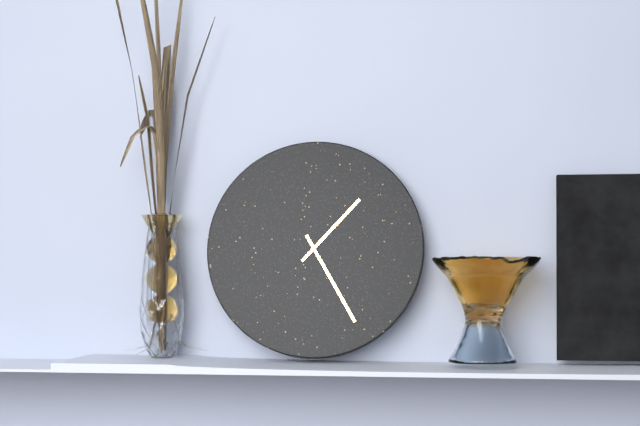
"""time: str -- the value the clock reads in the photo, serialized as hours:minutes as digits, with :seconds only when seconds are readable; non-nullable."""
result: 1:25
